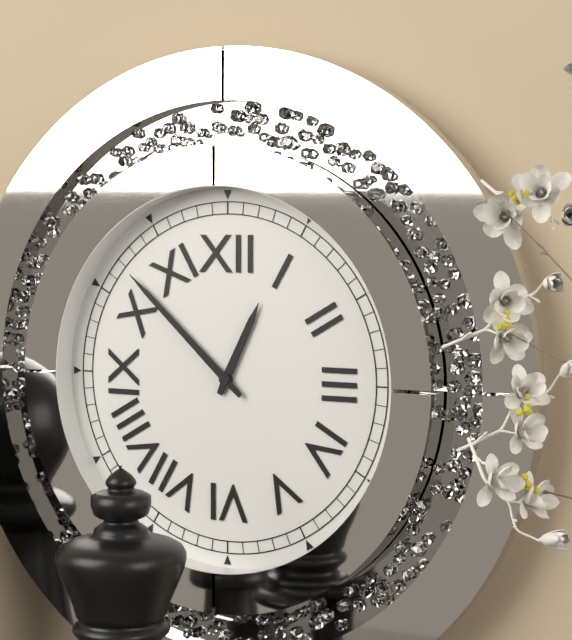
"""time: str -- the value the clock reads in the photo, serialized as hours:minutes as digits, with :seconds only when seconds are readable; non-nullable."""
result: 12:52
